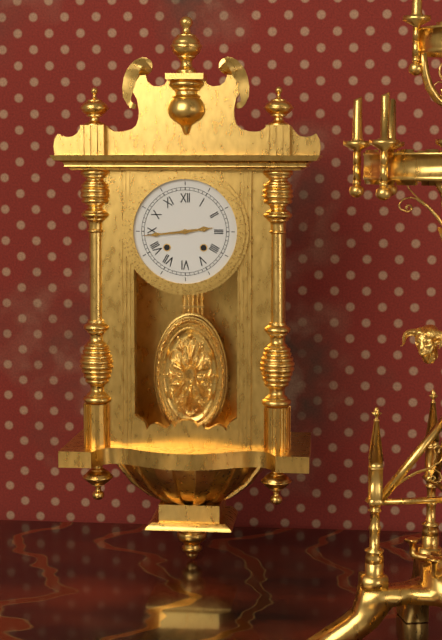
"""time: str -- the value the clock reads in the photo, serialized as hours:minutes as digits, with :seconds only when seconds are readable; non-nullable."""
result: 2:44
